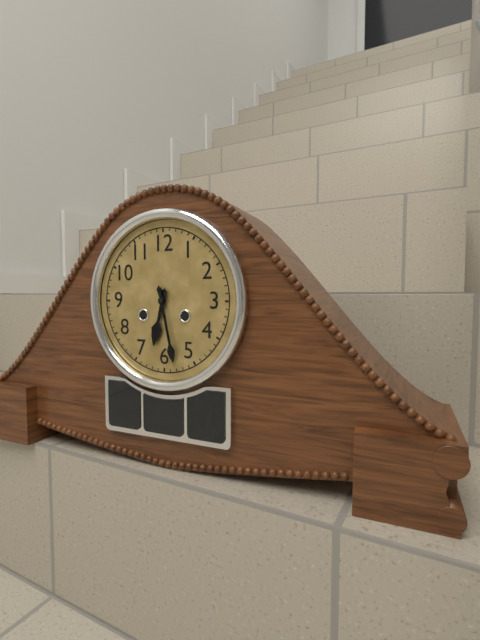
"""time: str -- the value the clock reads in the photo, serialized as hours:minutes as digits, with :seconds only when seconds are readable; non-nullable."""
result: 6:28
